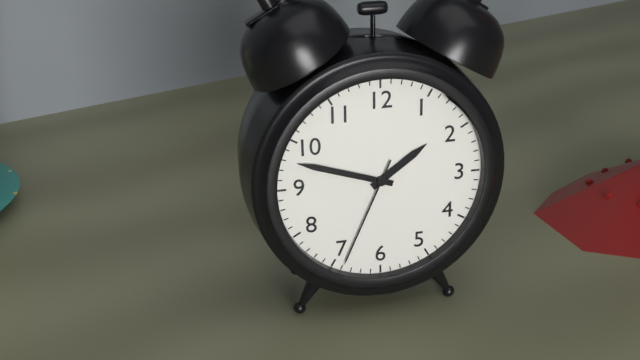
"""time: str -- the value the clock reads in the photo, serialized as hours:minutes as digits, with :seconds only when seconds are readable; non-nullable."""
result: 1:48:34
